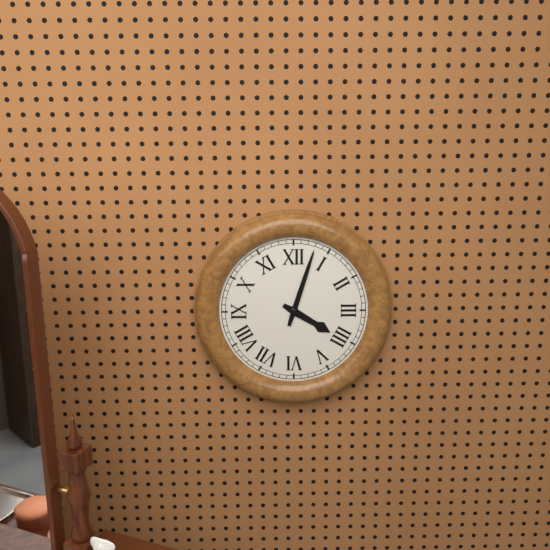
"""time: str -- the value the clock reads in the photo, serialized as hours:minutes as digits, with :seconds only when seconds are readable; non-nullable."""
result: 4:03
